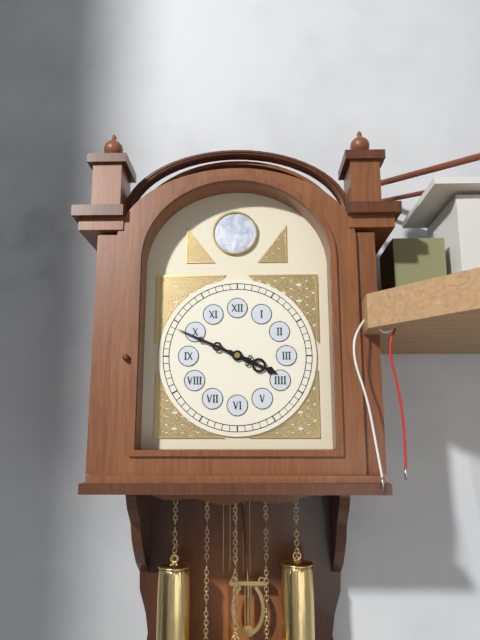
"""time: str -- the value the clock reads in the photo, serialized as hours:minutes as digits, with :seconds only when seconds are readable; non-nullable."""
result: 3:49
